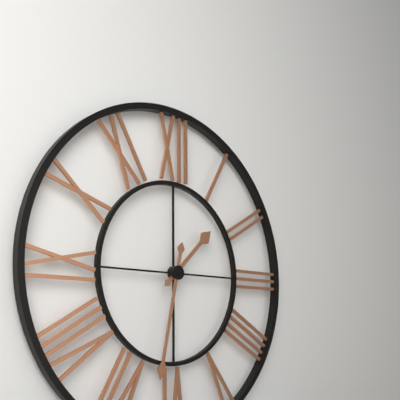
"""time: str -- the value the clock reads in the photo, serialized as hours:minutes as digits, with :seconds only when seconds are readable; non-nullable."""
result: 1:32
